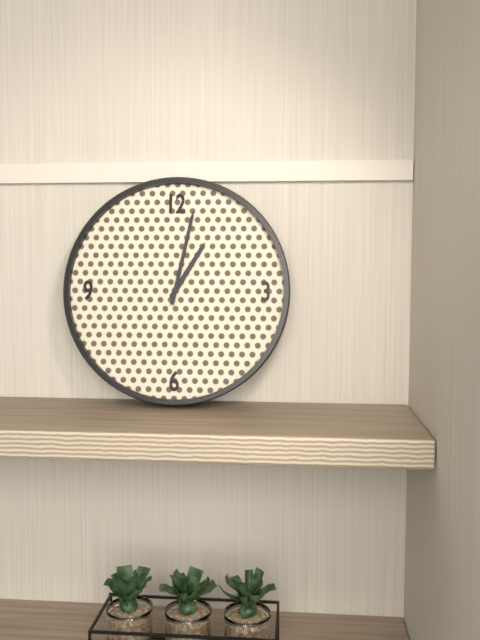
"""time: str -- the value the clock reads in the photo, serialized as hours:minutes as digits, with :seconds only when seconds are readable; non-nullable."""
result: 1:02
